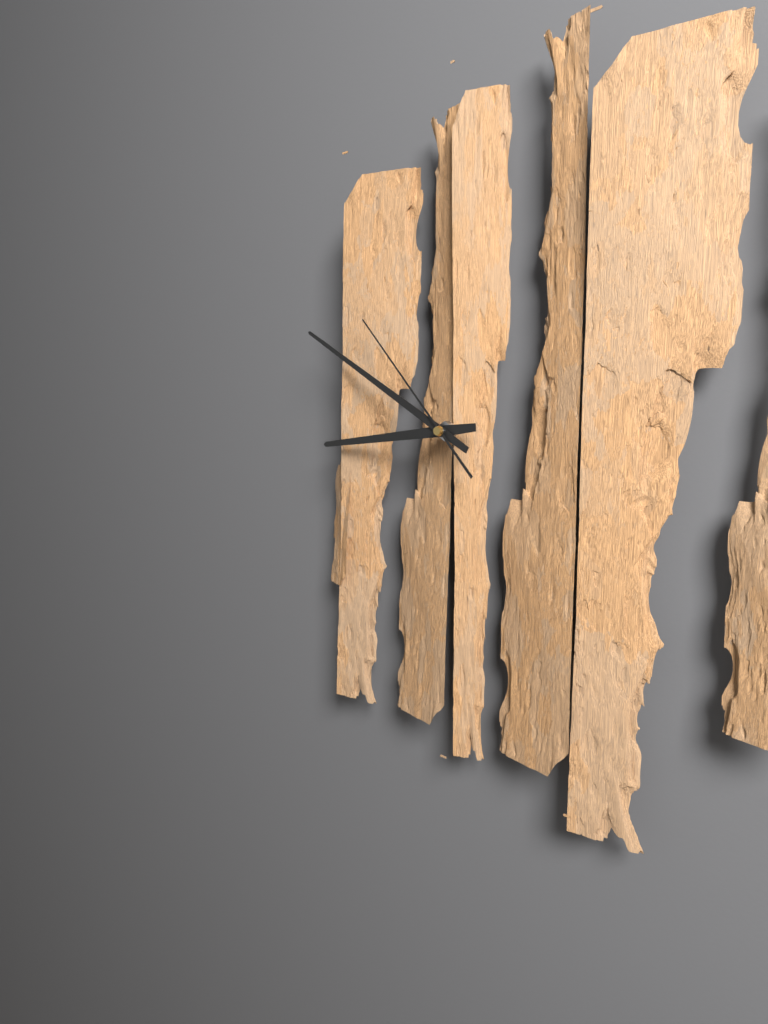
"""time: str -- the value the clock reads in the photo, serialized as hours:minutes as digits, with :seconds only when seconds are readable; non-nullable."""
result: 8:50:53
